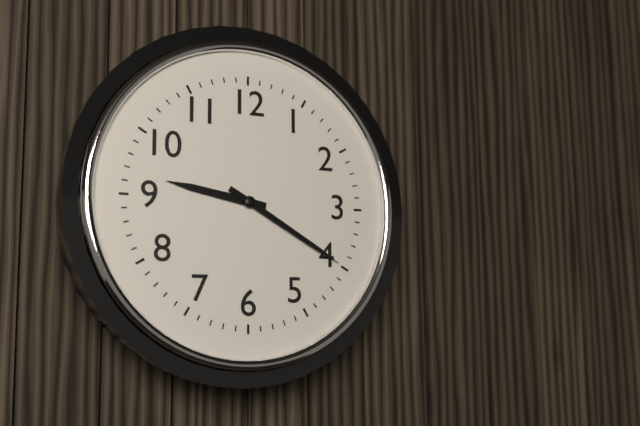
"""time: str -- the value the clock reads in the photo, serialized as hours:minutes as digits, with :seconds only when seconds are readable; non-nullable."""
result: 9:20
